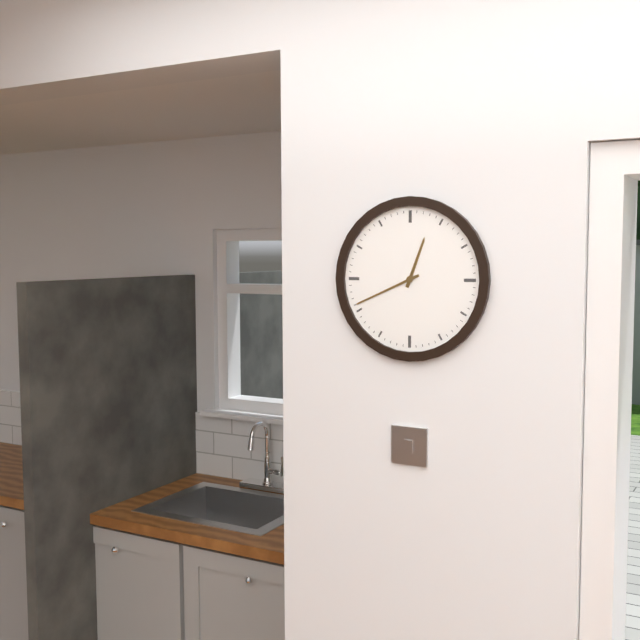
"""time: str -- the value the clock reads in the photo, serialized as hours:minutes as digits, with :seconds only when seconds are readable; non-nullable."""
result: 12:41
